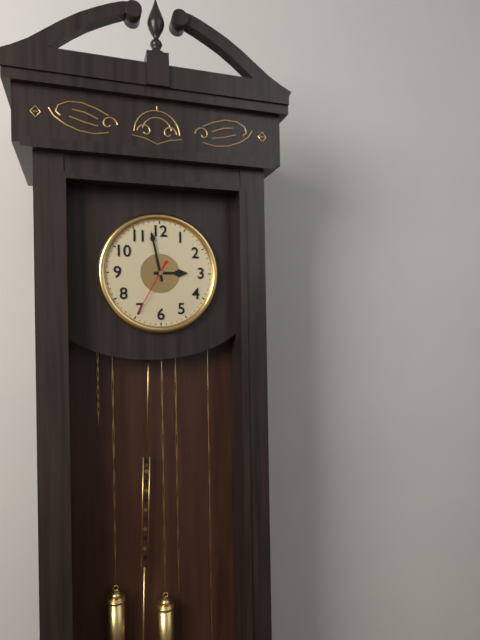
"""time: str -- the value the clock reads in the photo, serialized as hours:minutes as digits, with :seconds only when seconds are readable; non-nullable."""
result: 2:58:35
